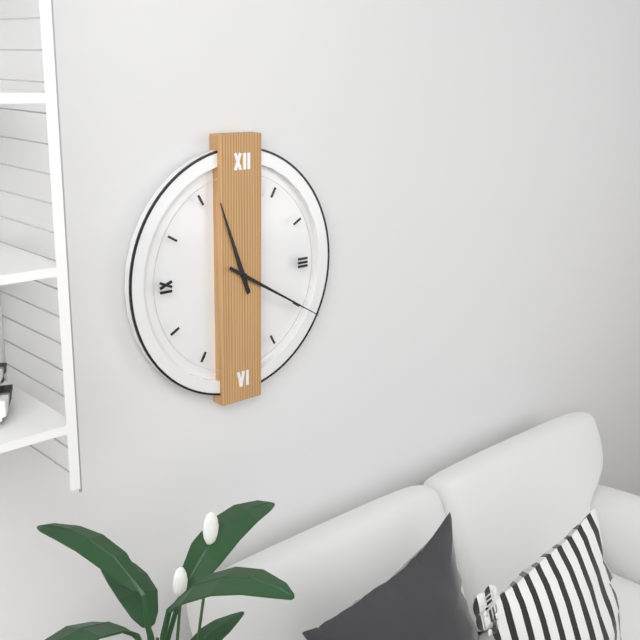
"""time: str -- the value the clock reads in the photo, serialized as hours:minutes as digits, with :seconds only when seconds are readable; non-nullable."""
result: 11:20
